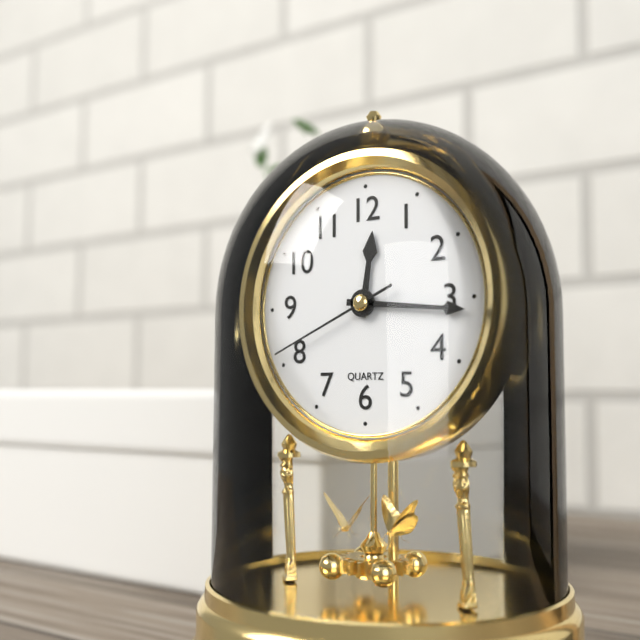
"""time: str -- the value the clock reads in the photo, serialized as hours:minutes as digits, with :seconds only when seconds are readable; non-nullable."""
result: 12:16:41
